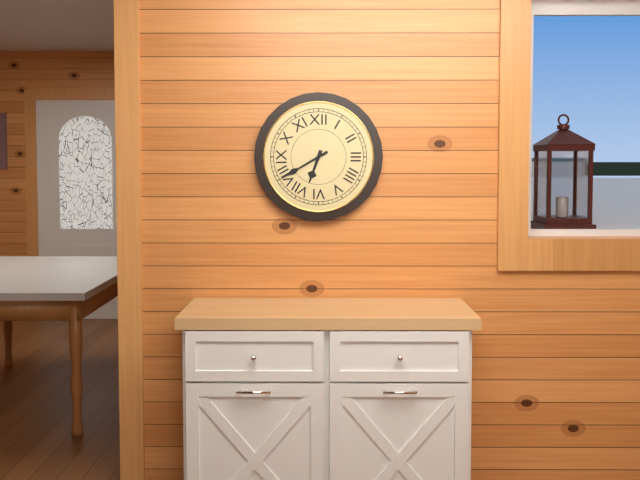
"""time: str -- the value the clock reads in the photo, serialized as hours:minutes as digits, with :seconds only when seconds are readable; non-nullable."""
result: 6:40
